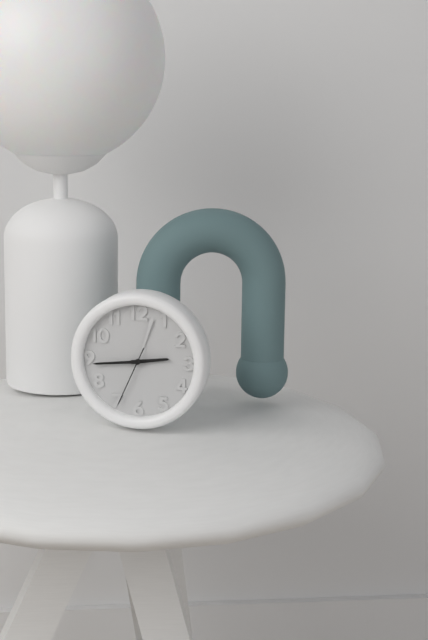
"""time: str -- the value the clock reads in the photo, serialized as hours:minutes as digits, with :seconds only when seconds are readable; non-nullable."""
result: 2:44:34
